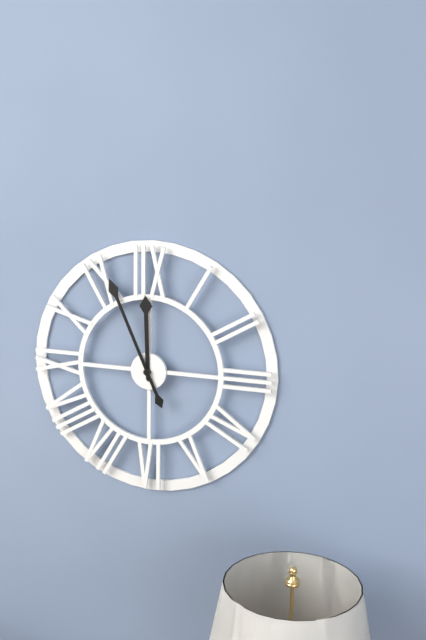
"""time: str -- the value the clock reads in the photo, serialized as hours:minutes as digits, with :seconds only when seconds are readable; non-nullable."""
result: 11:56
